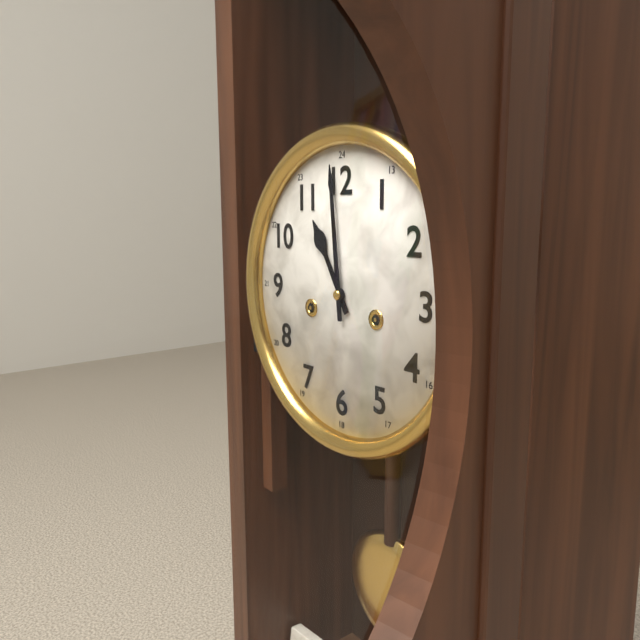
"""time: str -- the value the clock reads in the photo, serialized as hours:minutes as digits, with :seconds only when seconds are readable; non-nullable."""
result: 10:59
